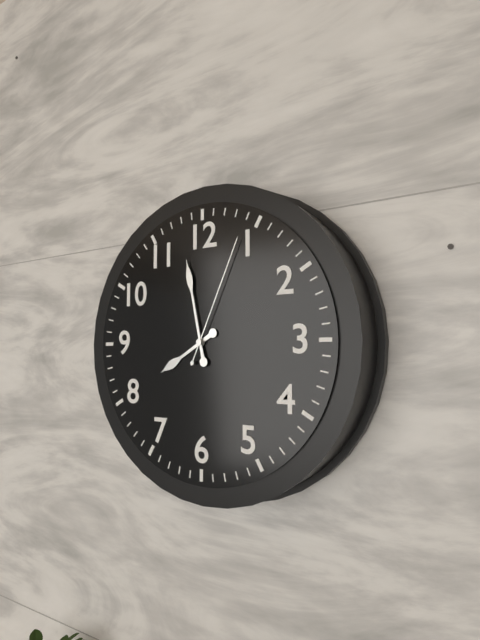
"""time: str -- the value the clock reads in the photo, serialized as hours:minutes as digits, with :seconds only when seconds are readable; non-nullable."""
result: 7:58:04
